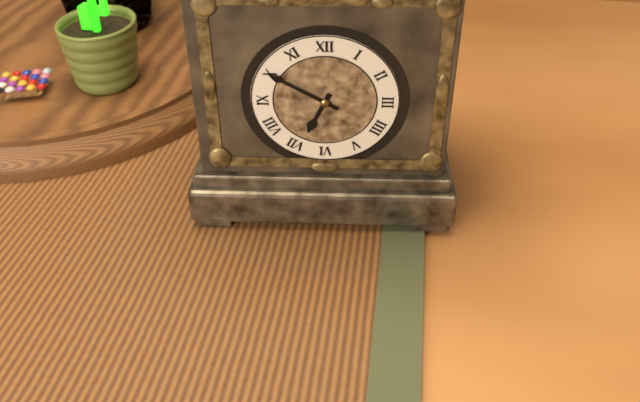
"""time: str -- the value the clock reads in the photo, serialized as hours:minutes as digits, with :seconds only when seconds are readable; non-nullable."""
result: 6:50
